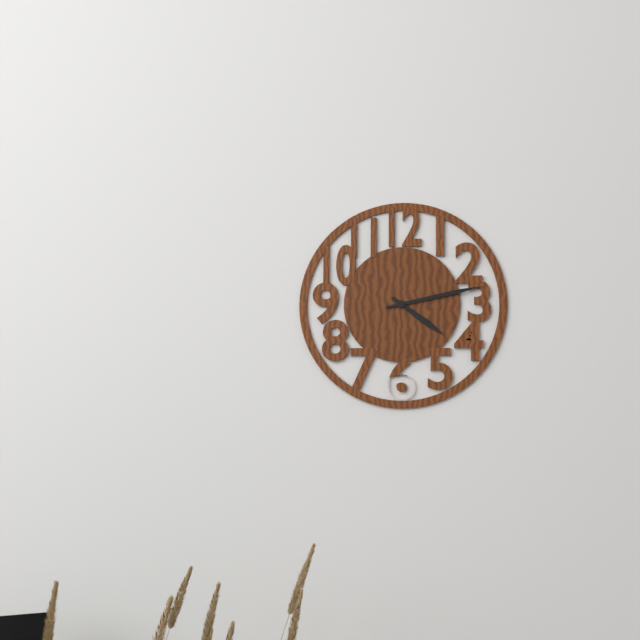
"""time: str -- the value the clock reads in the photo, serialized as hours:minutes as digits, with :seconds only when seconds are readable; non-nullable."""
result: 4:13
